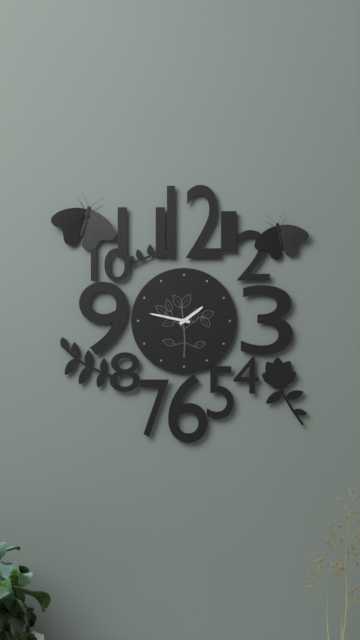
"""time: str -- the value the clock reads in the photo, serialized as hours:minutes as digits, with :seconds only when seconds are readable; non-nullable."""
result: 1:47
